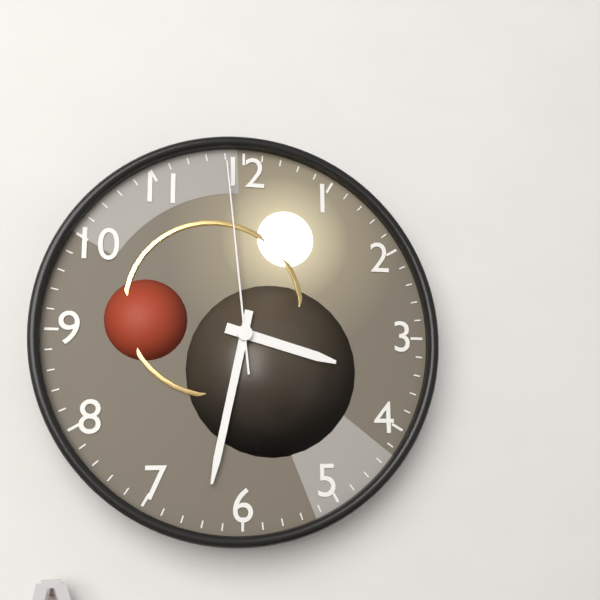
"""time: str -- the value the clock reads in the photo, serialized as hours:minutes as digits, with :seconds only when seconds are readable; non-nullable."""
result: 3:32:59
